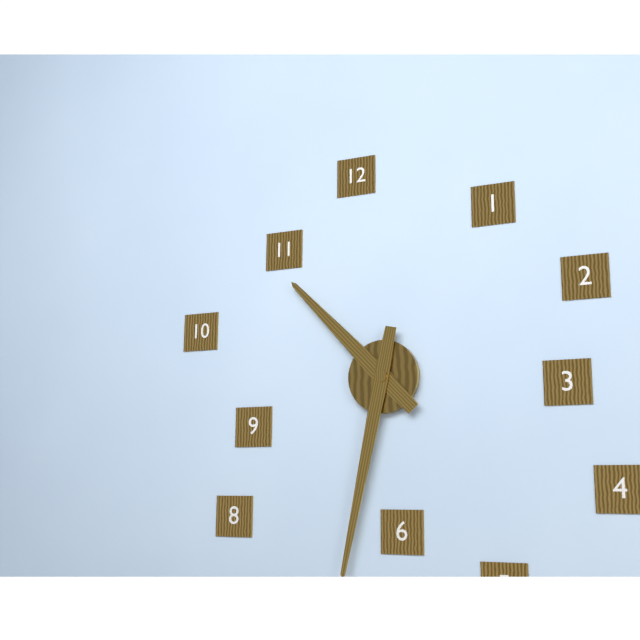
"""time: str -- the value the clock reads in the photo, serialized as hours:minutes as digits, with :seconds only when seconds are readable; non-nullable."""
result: 10:32
